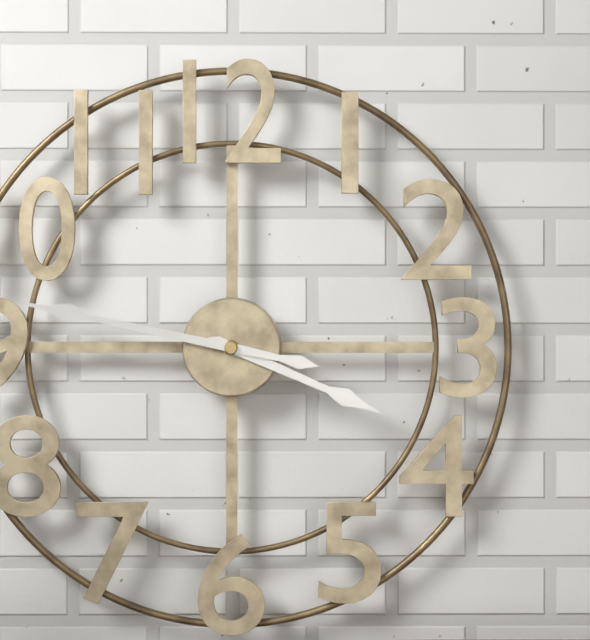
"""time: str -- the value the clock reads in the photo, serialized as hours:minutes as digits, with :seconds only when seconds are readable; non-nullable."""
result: 3:47
